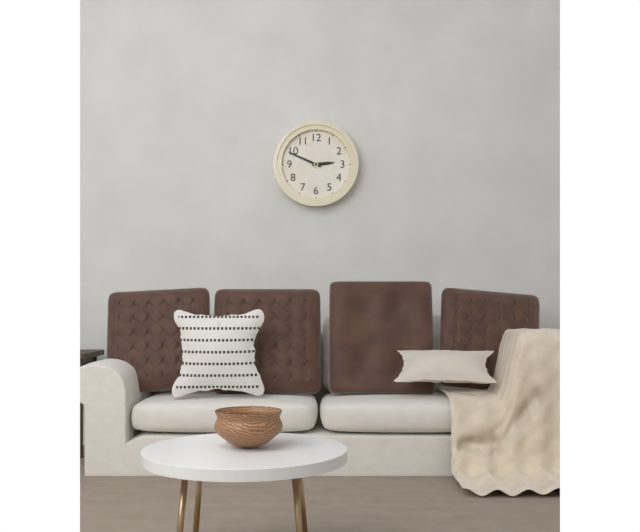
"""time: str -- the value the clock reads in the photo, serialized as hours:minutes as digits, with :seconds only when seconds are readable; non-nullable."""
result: 2:49
